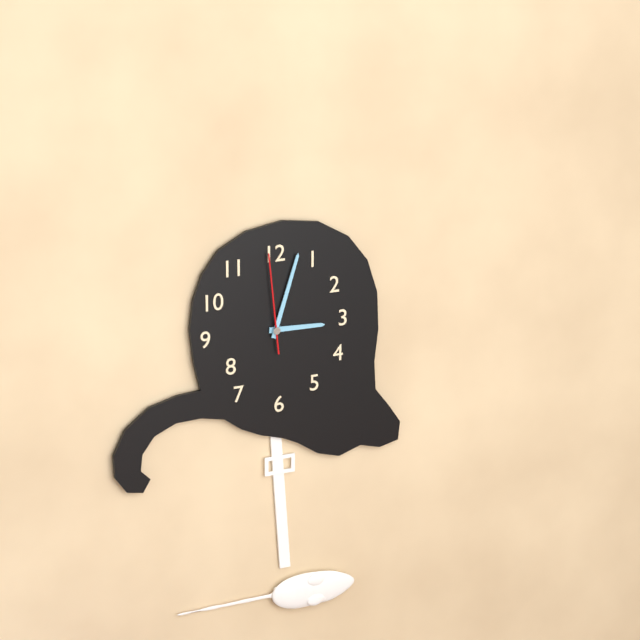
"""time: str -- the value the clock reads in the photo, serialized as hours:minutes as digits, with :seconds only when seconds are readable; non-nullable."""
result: 3:03:59
